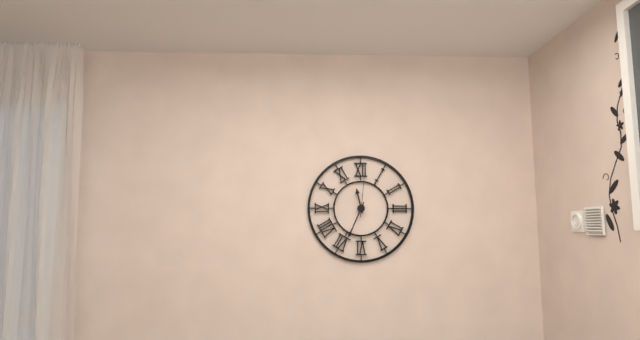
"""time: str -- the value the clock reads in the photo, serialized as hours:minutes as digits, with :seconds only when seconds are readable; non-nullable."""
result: 11:34
